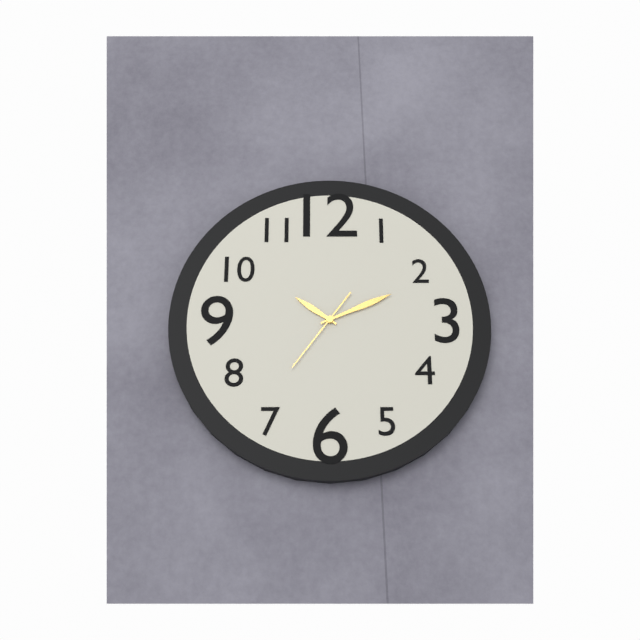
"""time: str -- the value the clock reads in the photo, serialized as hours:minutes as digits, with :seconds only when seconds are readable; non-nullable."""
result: 10:11:36
